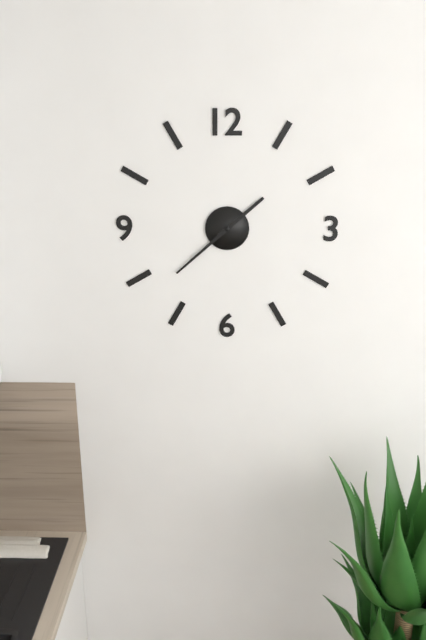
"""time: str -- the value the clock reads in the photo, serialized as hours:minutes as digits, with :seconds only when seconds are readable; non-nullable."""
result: 1:38
